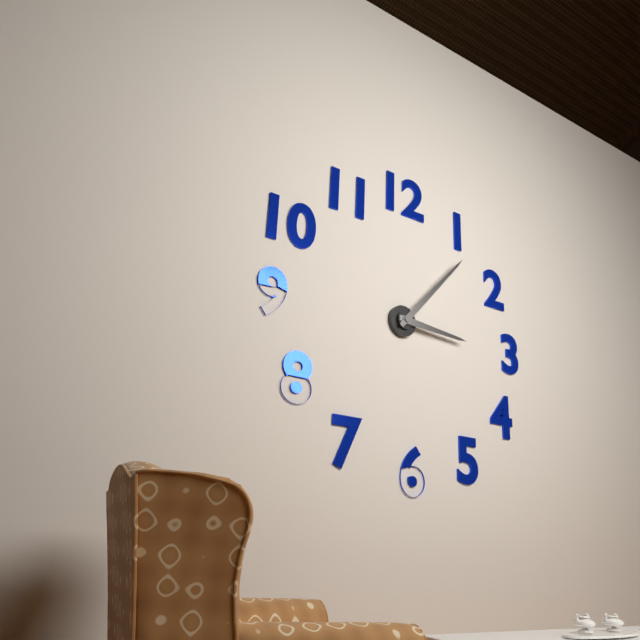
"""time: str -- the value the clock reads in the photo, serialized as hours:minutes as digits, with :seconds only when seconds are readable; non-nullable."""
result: 3:07
